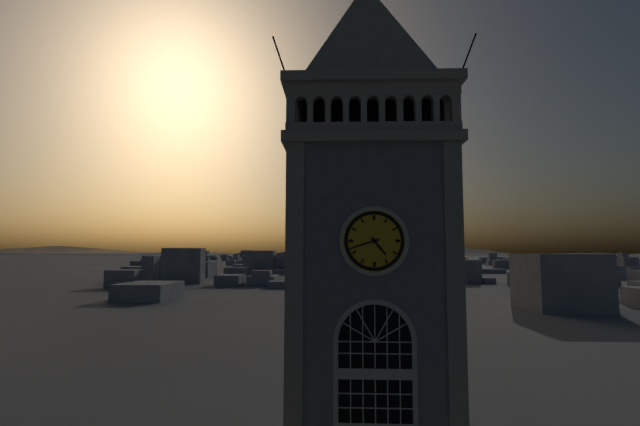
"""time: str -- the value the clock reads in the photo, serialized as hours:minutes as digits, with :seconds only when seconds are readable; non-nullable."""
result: 4:42
